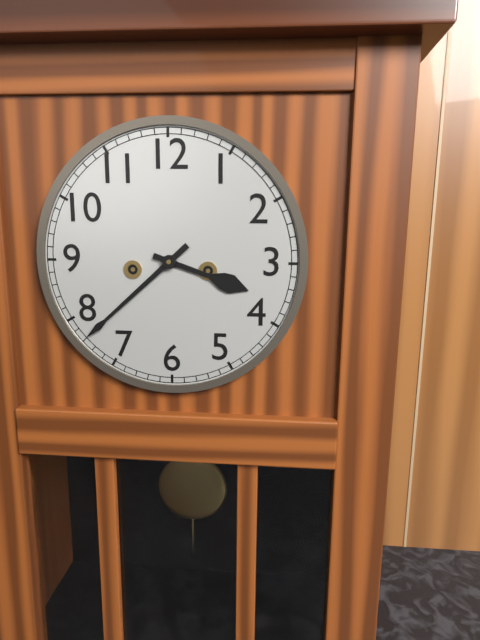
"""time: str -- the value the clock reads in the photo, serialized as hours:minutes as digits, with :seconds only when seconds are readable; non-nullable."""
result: 3:38
